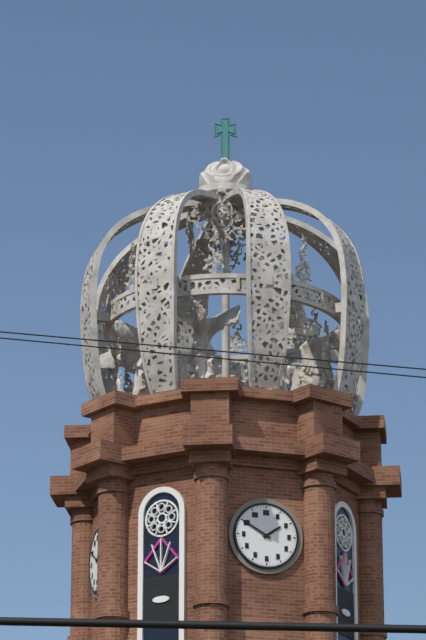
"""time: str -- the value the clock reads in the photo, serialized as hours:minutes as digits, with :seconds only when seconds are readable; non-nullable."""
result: 1:50
